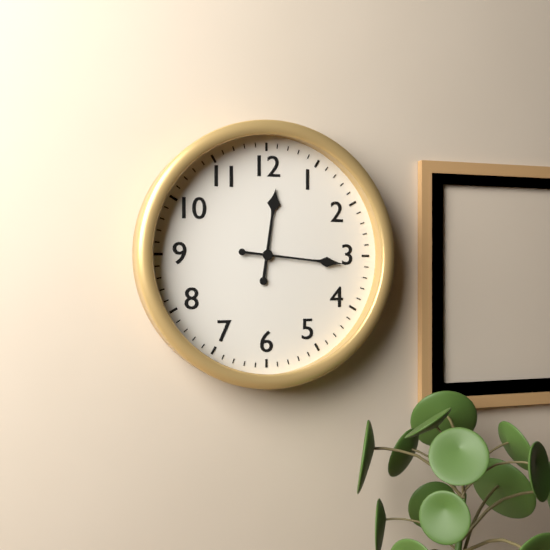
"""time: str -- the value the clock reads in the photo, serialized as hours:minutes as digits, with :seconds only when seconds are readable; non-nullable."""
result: 12:16
